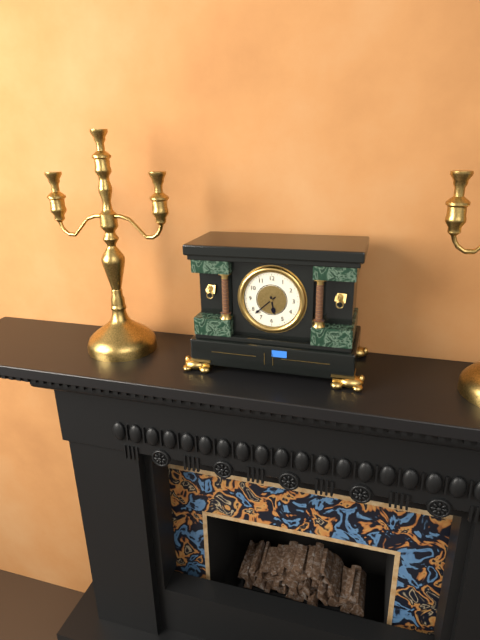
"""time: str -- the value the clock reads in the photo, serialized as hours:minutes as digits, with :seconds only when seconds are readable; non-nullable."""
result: 5:38
